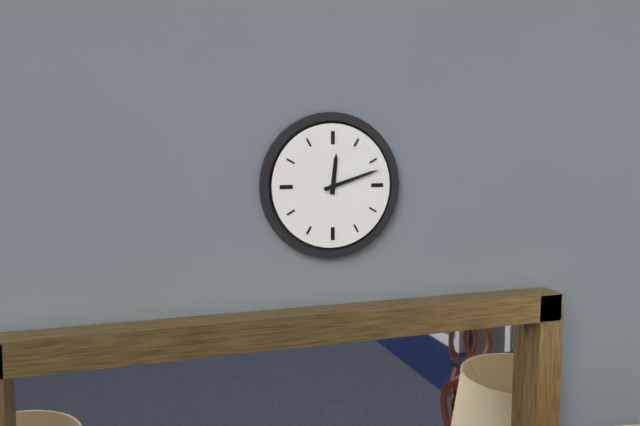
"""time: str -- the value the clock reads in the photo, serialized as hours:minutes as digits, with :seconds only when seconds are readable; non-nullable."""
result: 12:12
